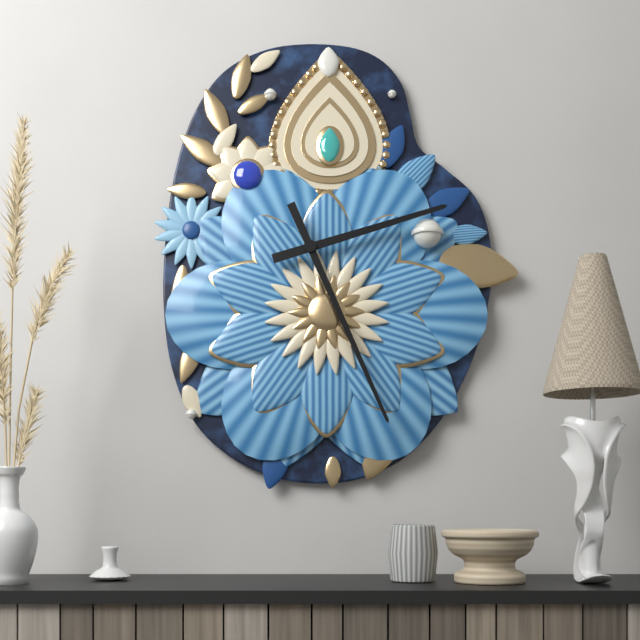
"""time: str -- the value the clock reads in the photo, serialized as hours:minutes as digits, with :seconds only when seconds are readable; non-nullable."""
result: 2:26
